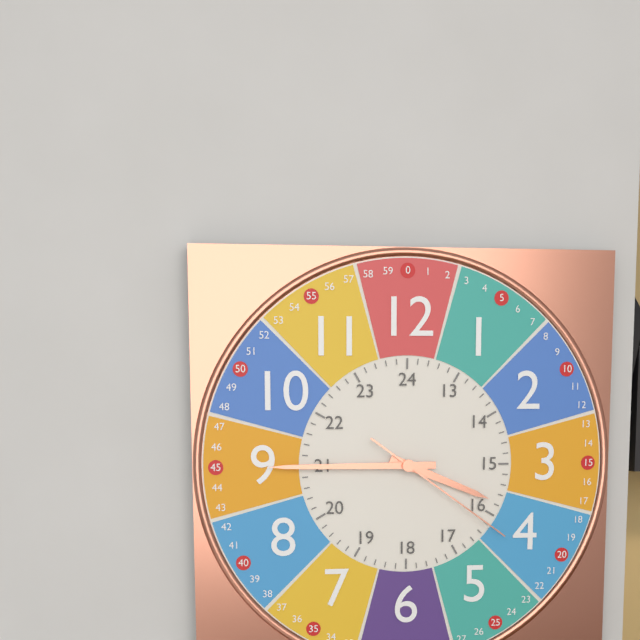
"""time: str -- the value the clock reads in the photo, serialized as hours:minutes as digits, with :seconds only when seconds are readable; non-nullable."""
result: 3:45:21
